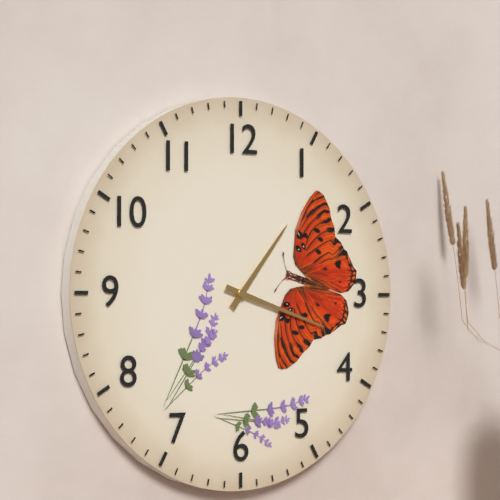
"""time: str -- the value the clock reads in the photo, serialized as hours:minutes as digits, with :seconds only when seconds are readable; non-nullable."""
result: 1:18
